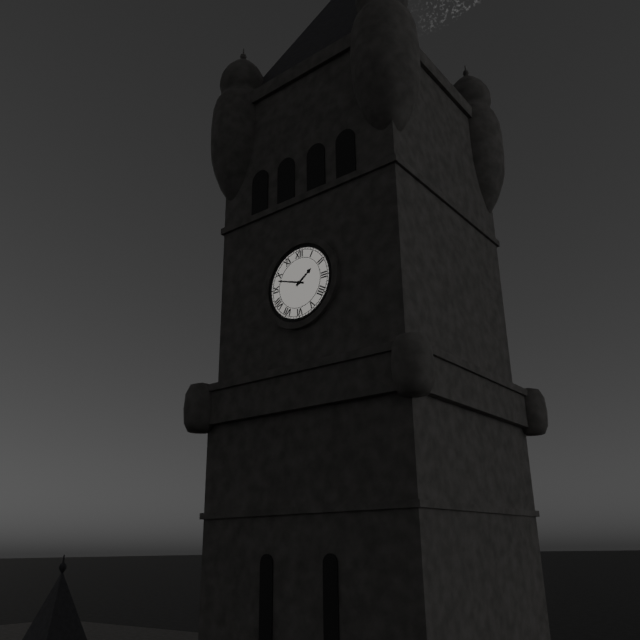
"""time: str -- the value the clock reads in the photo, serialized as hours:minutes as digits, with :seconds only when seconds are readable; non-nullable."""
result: 1:48
